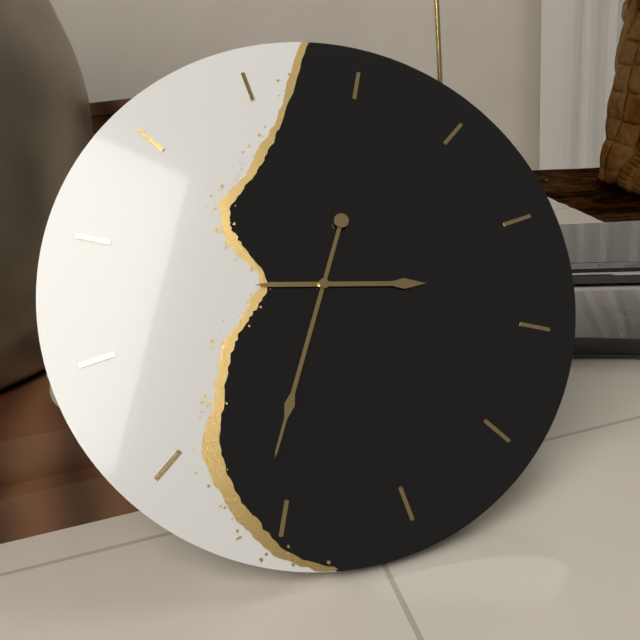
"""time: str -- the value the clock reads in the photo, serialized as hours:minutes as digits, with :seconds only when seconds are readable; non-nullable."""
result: 3:36
